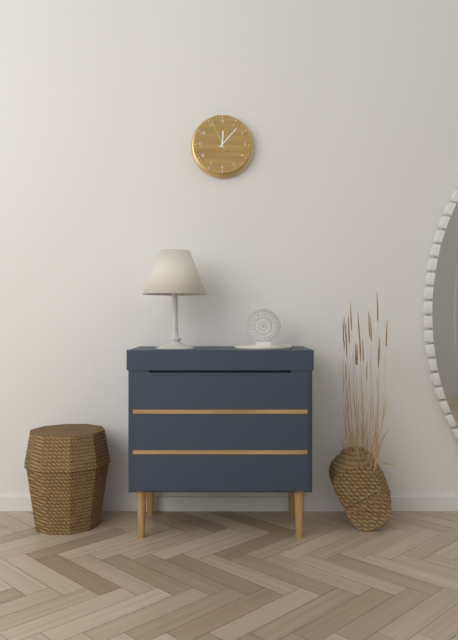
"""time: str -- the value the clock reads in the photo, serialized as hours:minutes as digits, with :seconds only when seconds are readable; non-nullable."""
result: 12:07
